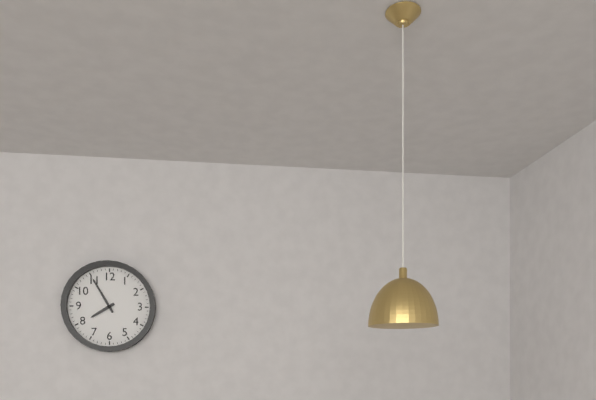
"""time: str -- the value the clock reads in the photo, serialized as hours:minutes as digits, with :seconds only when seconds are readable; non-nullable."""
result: 7:55
